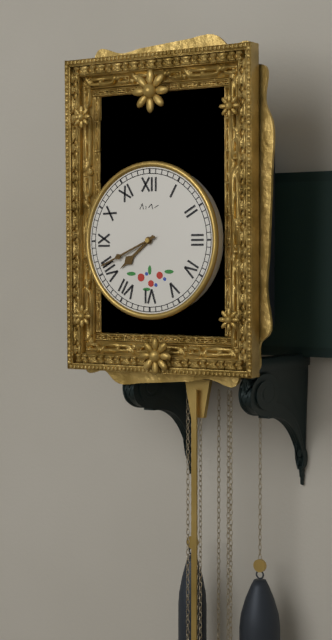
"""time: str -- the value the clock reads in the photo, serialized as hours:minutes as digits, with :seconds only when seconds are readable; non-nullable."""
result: 7:41
